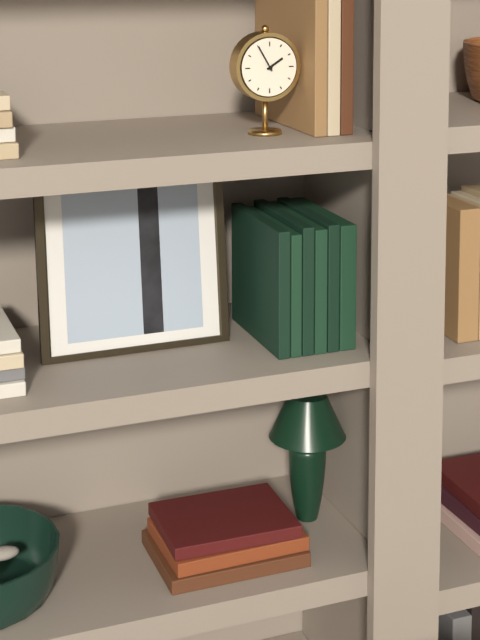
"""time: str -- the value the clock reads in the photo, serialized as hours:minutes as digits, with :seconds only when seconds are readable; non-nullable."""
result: 1:55
